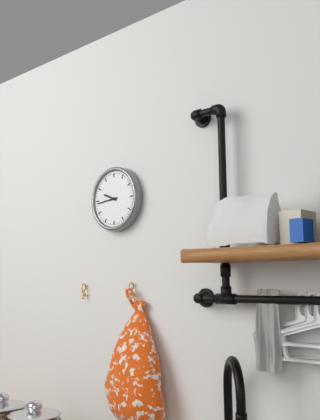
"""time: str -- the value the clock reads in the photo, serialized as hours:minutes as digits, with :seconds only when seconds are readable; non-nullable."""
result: 9:44
